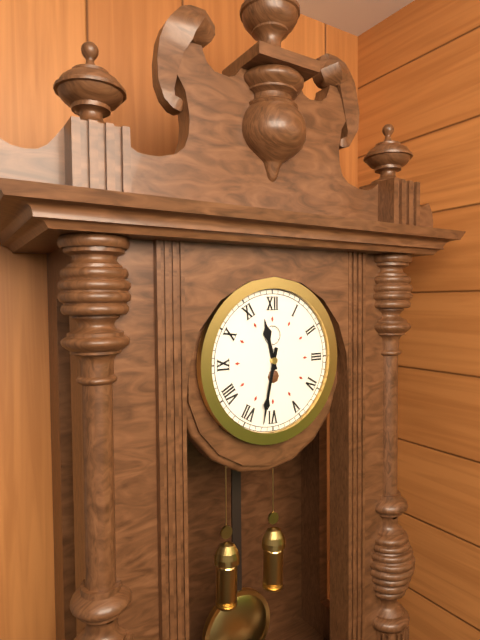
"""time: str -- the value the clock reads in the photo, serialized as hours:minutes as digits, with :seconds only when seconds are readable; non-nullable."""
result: 11:32
